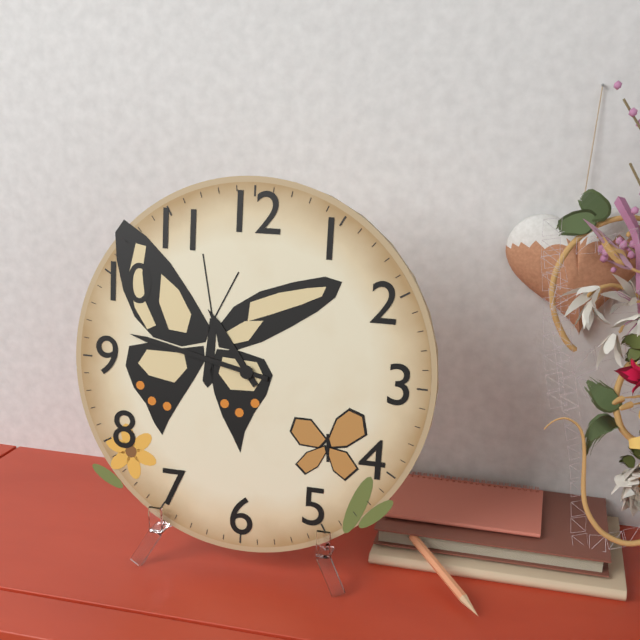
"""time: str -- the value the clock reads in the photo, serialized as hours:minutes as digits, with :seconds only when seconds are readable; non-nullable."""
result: 10:47
